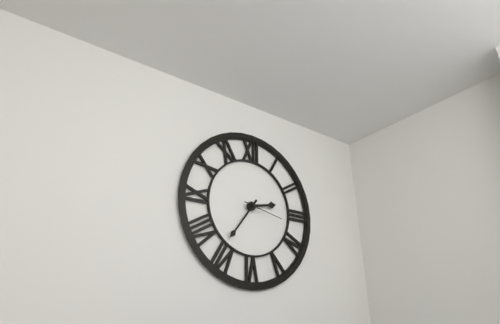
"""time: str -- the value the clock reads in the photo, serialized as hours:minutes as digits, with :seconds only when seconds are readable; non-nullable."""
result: 2:36
